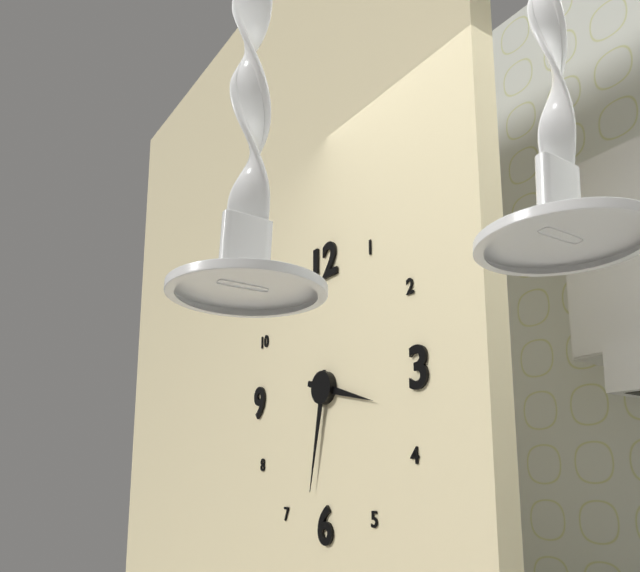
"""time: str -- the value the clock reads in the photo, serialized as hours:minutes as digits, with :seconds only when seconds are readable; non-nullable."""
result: 3:32
